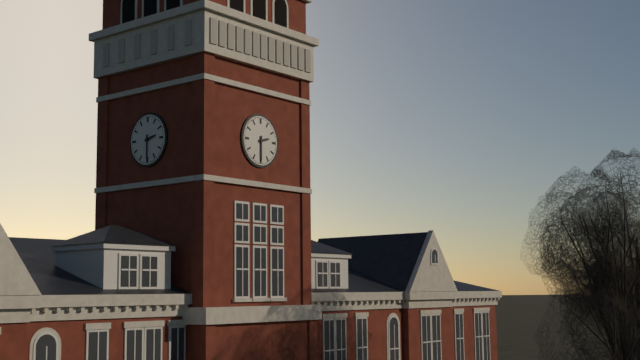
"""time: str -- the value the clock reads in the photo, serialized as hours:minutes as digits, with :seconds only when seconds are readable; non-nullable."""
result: 2:30
